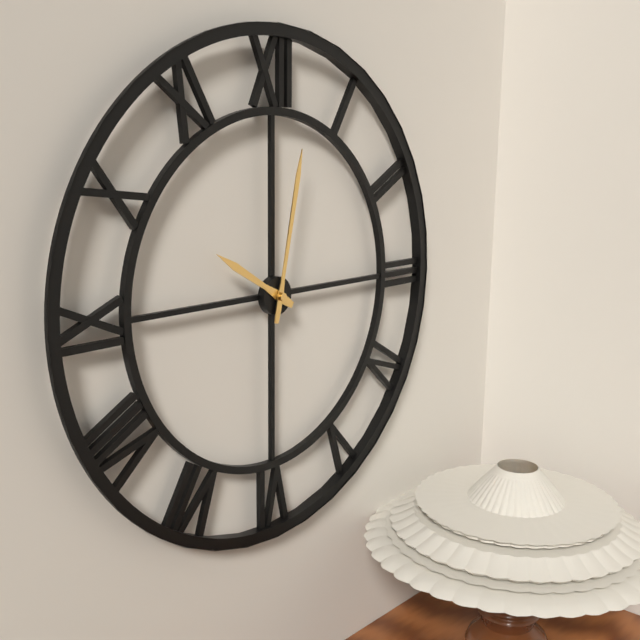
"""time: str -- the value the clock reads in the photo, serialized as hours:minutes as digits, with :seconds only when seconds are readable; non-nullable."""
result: 10:02
